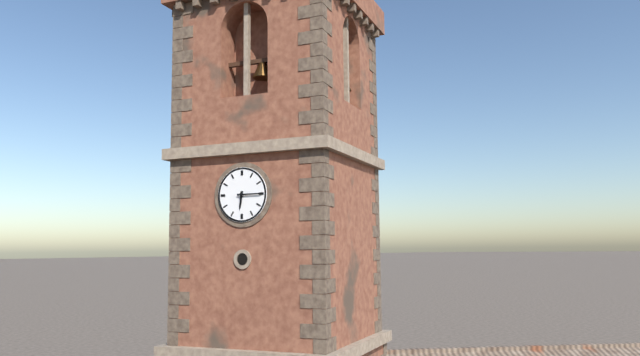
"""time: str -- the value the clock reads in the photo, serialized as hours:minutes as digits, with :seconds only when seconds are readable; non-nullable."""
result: 6:15
